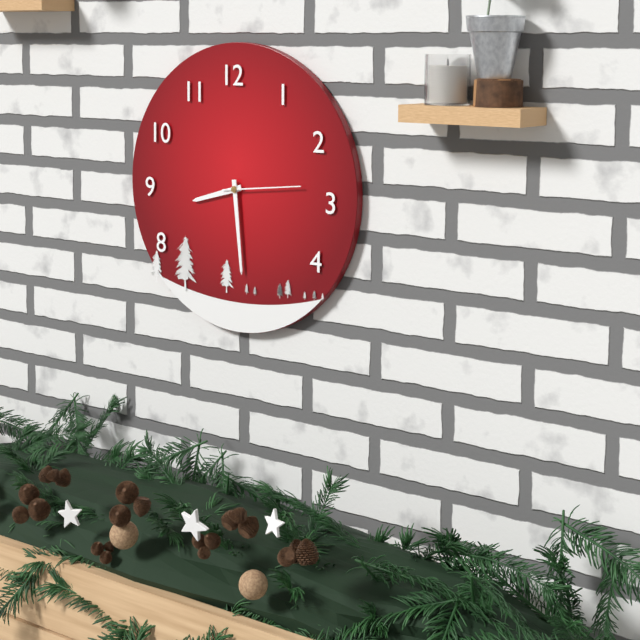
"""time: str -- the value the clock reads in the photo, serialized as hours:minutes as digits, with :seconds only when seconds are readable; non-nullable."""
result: 8:29:14
